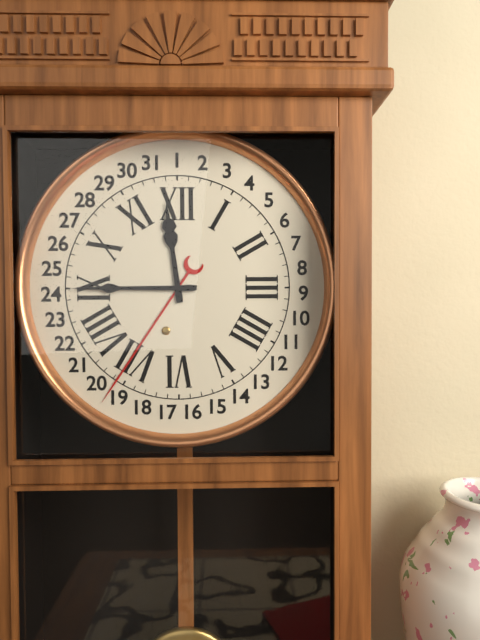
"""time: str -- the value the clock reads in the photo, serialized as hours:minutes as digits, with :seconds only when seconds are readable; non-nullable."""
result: 11:45
